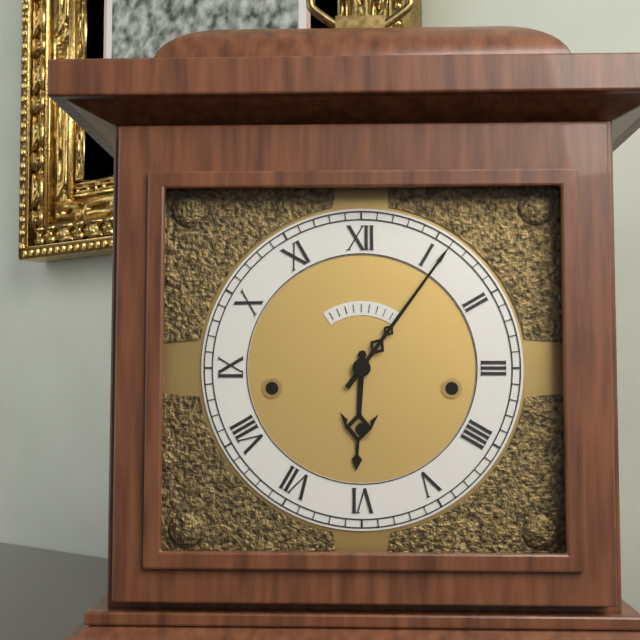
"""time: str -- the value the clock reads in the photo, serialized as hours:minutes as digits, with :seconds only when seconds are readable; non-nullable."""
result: 6:06
